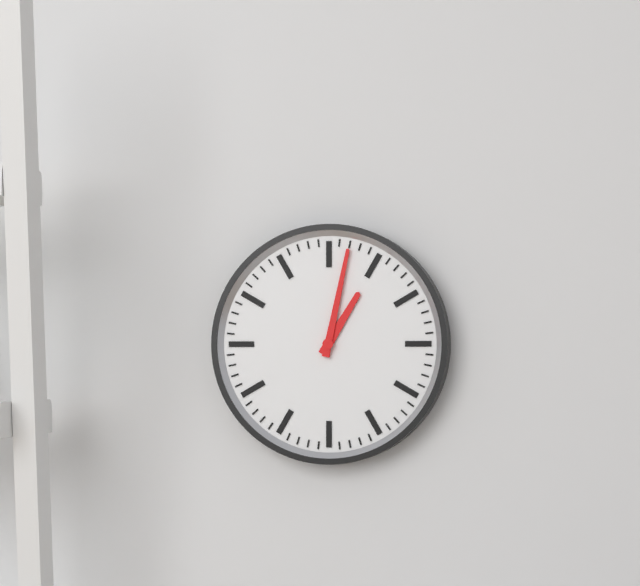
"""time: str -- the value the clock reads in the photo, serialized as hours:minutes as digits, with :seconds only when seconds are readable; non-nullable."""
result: 1:02
